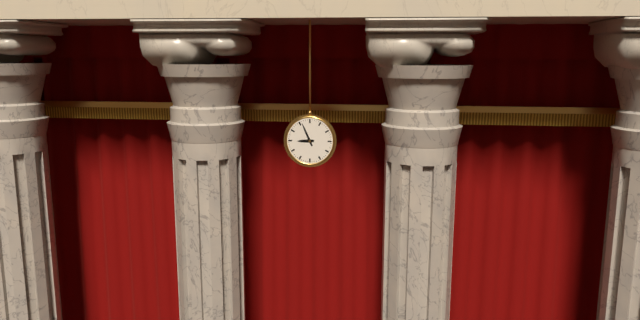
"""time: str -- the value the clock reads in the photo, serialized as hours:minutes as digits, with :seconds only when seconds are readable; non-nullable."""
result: 8:56
